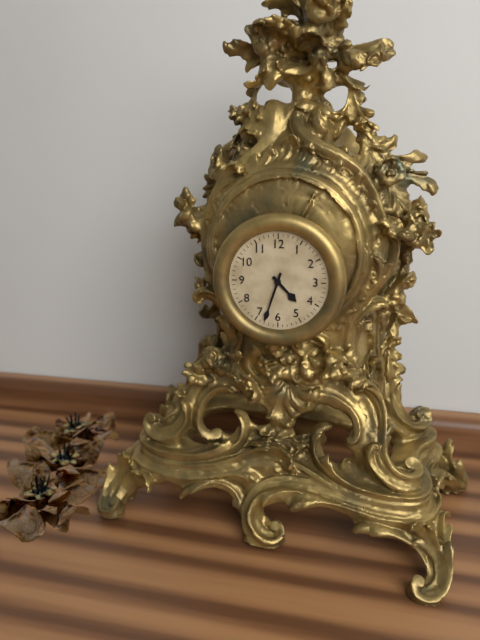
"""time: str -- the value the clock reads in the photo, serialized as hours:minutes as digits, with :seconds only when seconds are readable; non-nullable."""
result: 4:33
